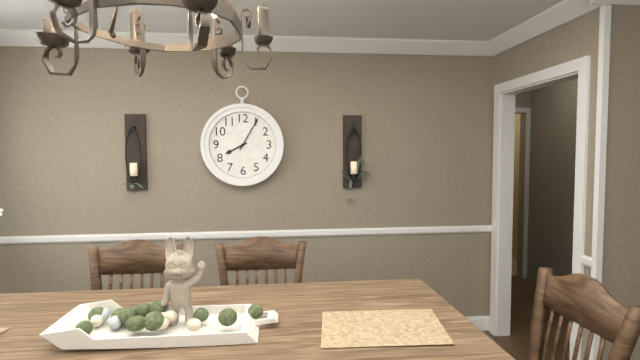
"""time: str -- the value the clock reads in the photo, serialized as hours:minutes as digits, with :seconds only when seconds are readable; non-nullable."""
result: 8:05
